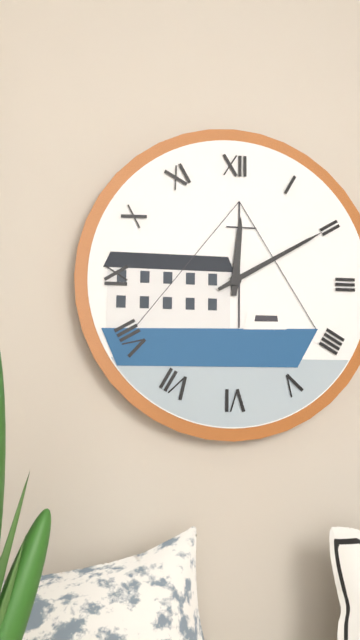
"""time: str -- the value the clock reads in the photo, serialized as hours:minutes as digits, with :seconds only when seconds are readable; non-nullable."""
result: 12:10
